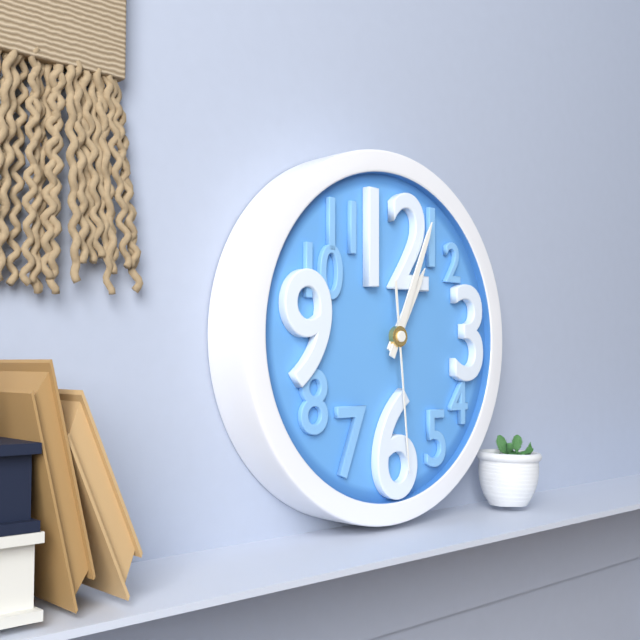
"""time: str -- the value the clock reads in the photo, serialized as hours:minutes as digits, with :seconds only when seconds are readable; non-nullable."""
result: 1:04:29
